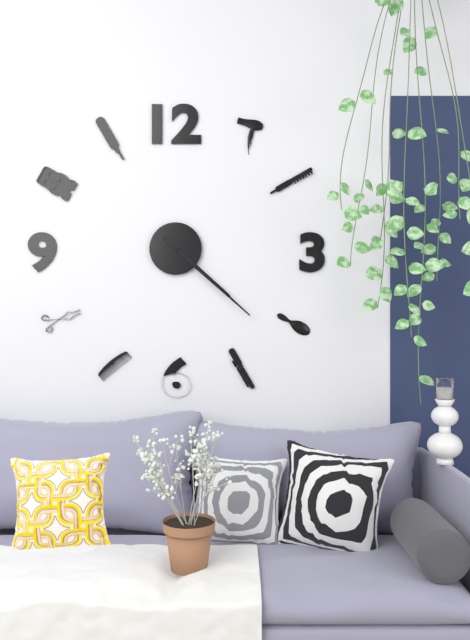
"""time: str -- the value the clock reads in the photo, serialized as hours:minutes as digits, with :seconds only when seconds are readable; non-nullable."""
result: 4:22
